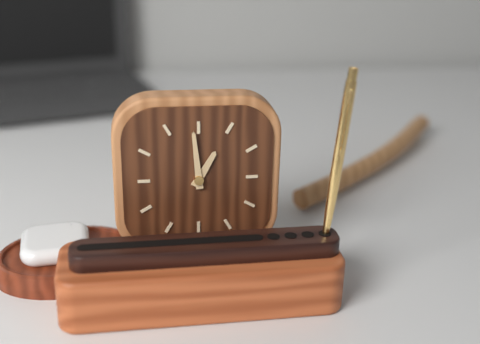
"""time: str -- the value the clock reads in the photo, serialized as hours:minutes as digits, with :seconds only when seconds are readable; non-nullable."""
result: 12:59
